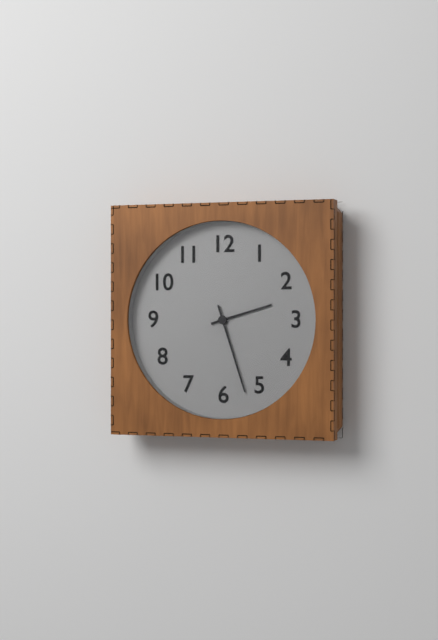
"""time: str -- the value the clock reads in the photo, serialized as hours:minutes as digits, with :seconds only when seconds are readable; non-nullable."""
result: 2:27
